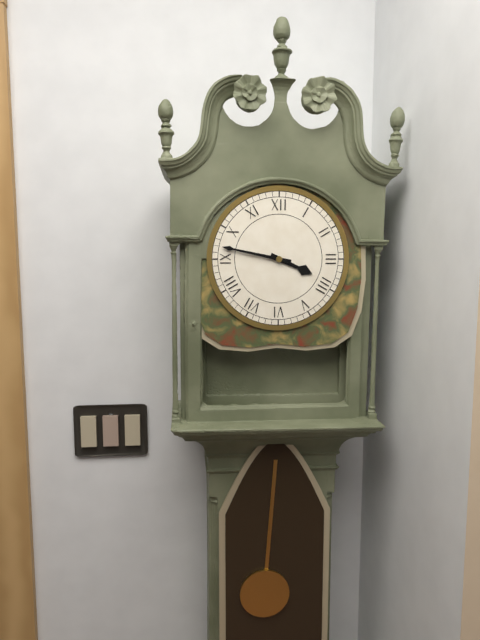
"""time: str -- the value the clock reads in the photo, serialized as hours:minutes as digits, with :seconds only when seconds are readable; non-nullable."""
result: 3:47
